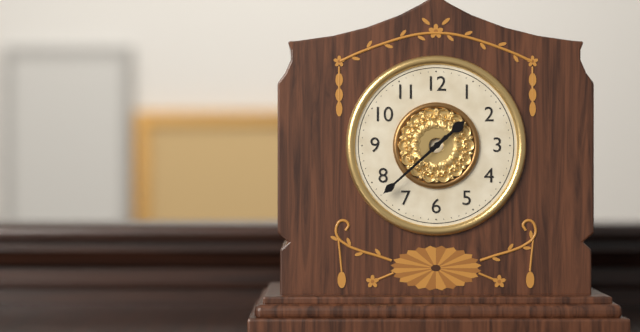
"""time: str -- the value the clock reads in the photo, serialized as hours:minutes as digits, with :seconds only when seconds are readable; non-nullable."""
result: 1:38
